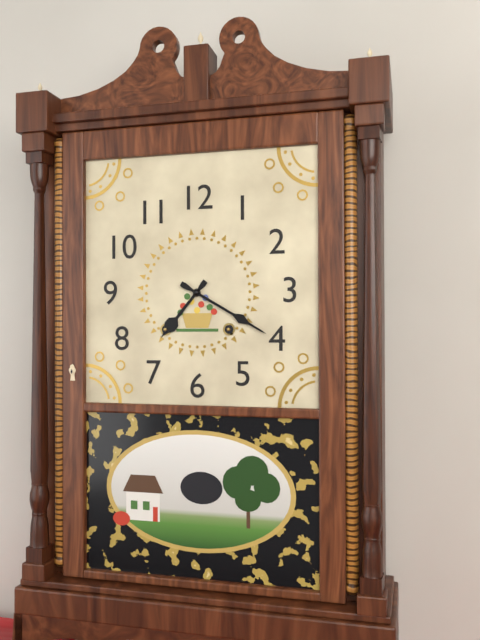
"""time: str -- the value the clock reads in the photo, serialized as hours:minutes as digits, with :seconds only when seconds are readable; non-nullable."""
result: 7:20
